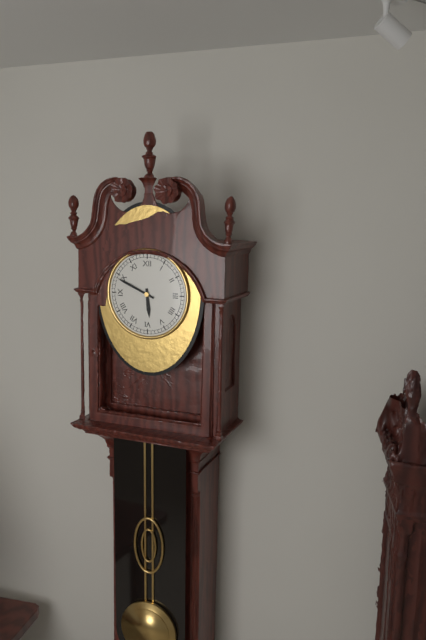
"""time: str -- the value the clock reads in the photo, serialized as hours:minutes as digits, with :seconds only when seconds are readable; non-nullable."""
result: 5:49
